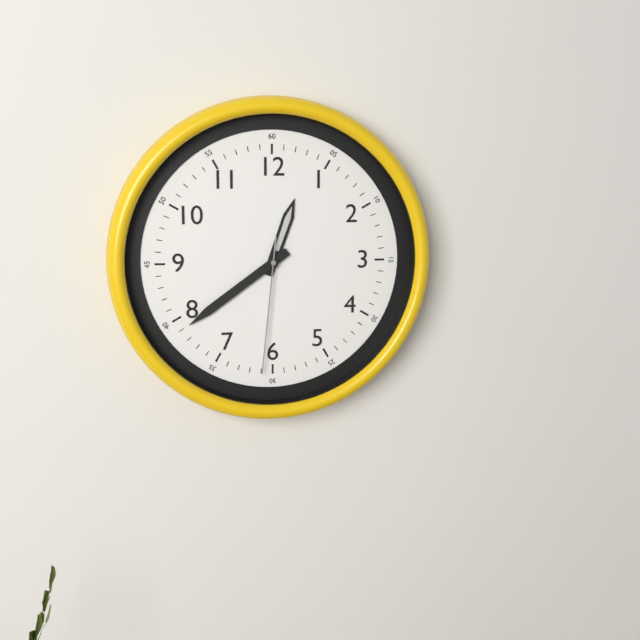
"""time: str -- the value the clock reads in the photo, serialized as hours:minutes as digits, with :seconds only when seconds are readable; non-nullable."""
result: 12:39:31
